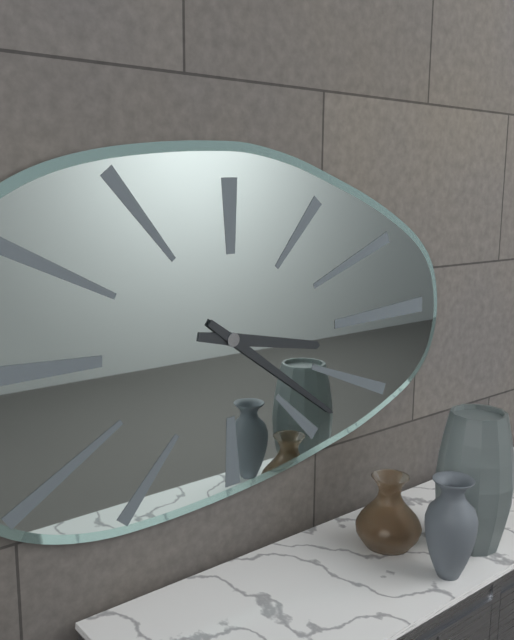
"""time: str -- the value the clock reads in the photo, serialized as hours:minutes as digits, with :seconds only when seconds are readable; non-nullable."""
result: 3:21
